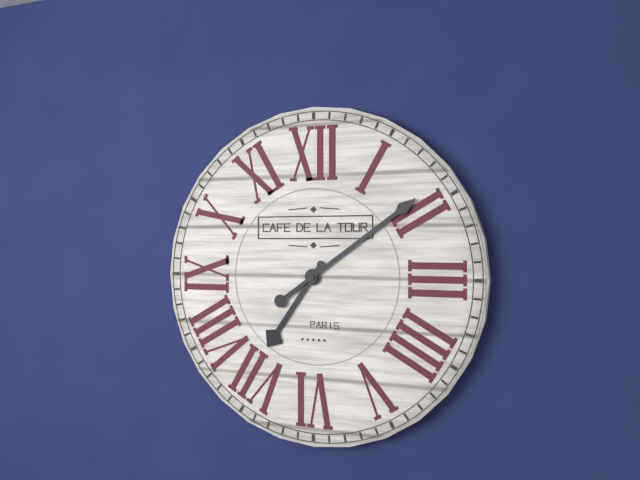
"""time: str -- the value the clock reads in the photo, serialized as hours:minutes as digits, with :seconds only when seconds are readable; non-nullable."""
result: 7:09
